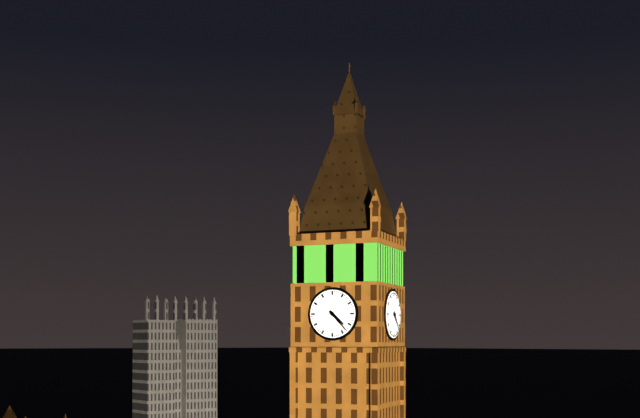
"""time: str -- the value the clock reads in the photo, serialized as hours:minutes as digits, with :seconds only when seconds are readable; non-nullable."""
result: 4:23
